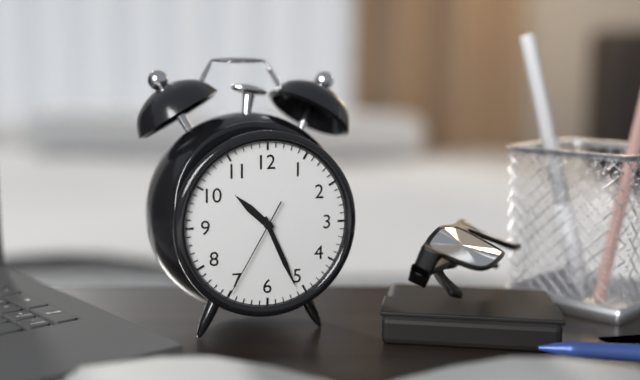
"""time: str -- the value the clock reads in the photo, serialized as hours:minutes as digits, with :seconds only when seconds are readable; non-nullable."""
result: 10:26:35
